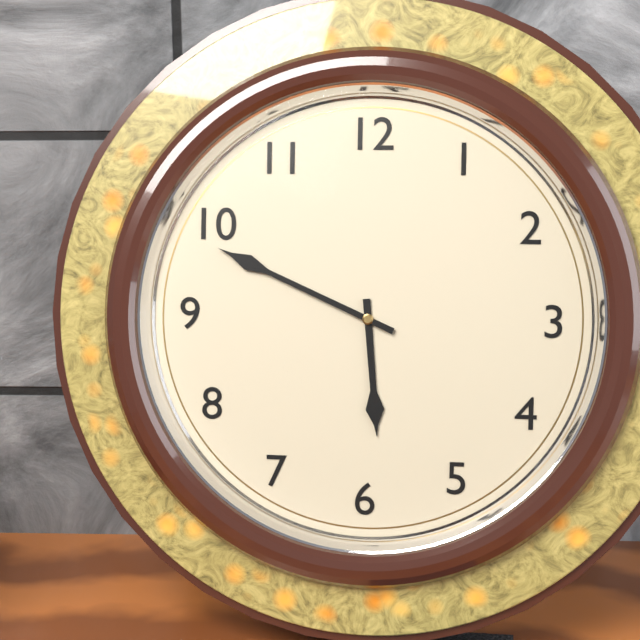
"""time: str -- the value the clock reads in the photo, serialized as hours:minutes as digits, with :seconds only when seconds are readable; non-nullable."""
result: 5:49
